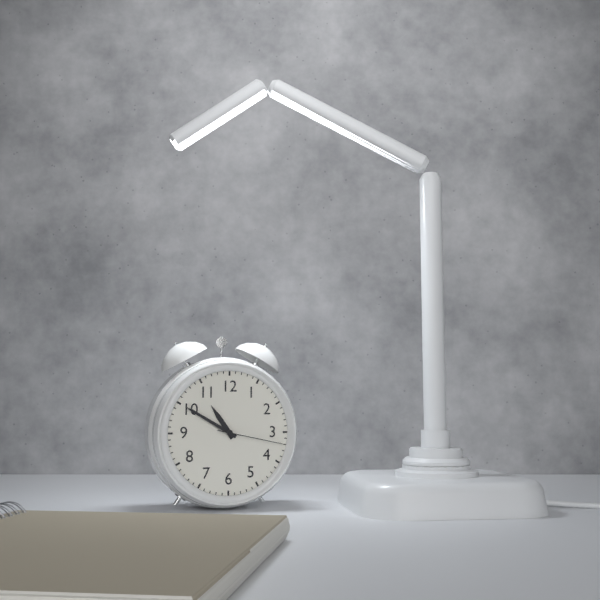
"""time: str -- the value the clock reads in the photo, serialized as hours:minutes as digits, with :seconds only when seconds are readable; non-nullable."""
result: 10:50:17
